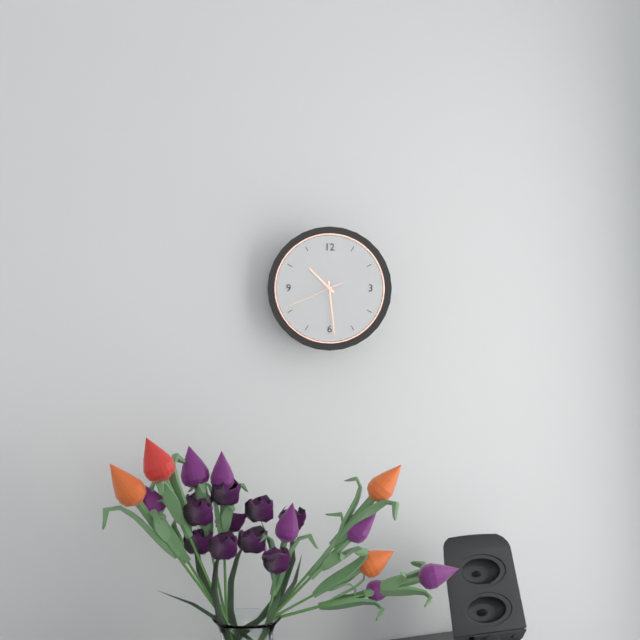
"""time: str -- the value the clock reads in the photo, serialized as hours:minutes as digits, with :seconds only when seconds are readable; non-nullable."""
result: 10:29:41
